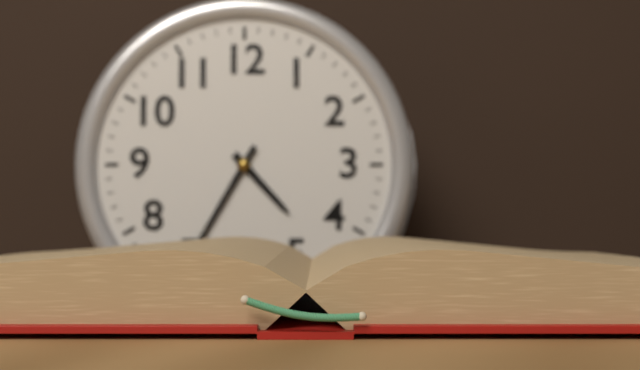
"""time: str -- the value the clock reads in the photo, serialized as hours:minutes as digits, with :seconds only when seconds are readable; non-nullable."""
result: 4:35
